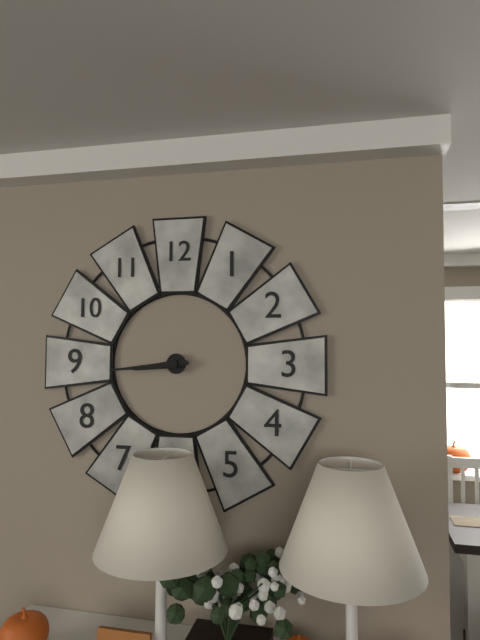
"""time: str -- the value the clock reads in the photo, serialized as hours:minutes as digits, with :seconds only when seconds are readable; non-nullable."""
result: 8:44
